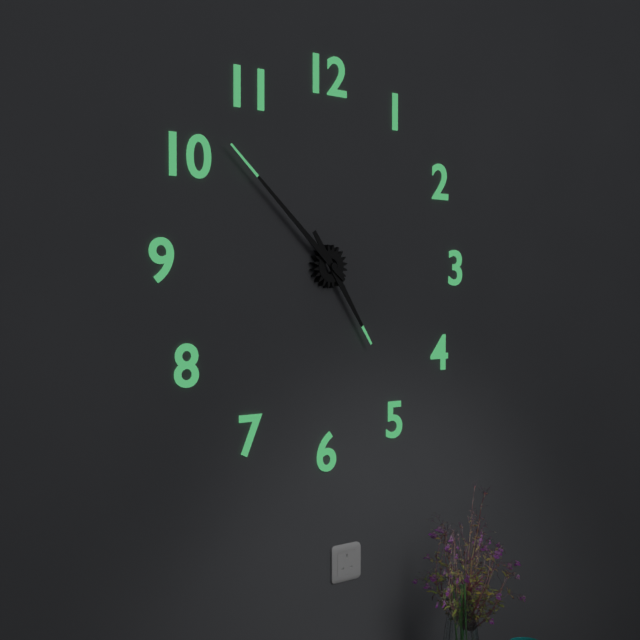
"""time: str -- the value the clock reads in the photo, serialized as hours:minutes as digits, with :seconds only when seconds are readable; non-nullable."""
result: 4:52
